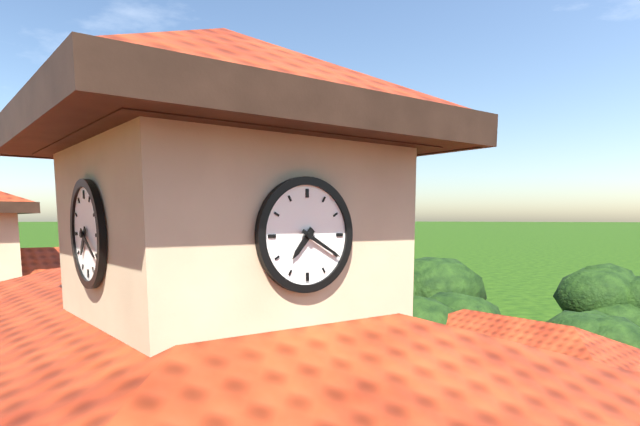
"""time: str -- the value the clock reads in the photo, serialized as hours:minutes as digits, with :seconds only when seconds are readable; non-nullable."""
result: 7:20
